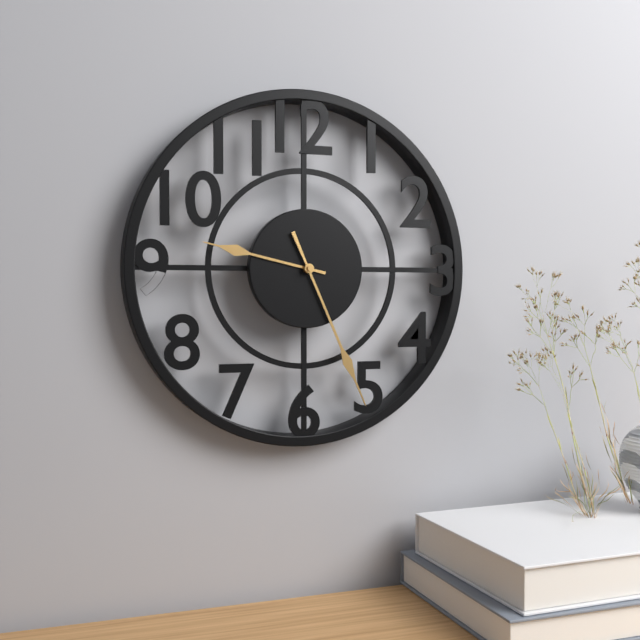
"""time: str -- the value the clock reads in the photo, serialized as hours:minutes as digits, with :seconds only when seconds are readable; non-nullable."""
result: 9:26
